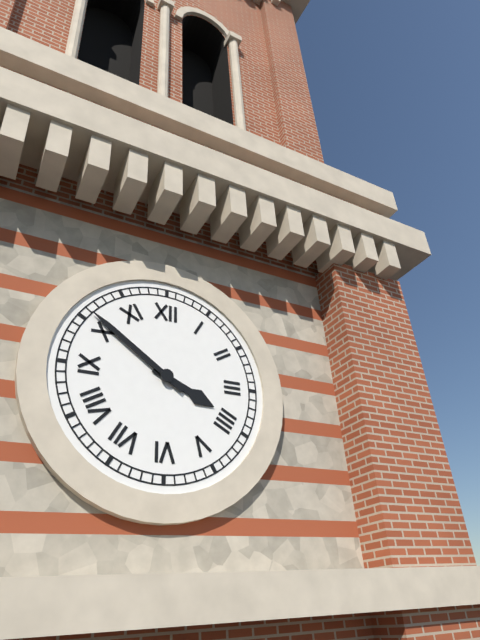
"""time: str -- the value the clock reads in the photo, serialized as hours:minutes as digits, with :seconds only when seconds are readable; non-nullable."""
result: 3:51
